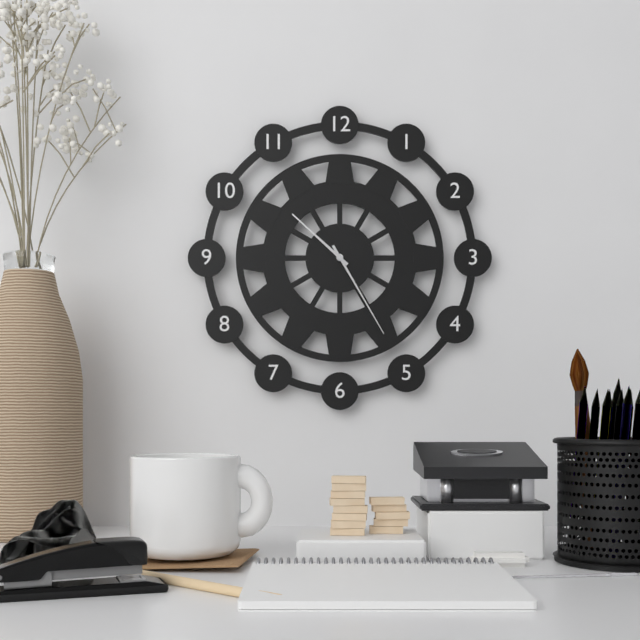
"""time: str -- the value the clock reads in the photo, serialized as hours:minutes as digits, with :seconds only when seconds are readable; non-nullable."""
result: 10:25
